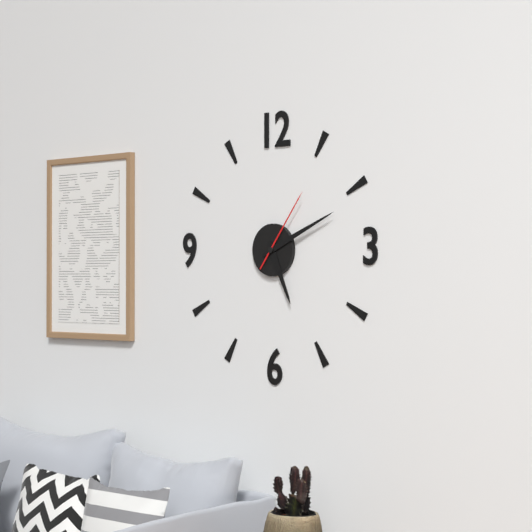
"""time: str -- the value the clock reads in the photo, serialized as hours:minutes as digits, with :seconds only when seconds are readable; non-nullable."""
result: 5:11:06
